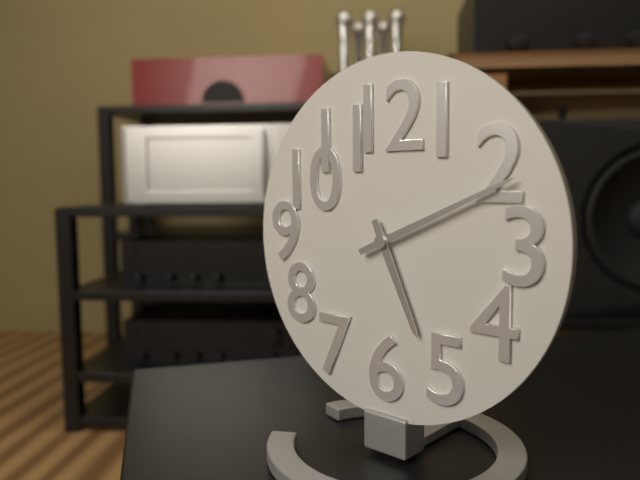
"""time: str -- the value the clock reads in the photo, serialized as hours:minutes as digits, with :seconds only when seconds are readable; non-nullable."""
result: 5:11
